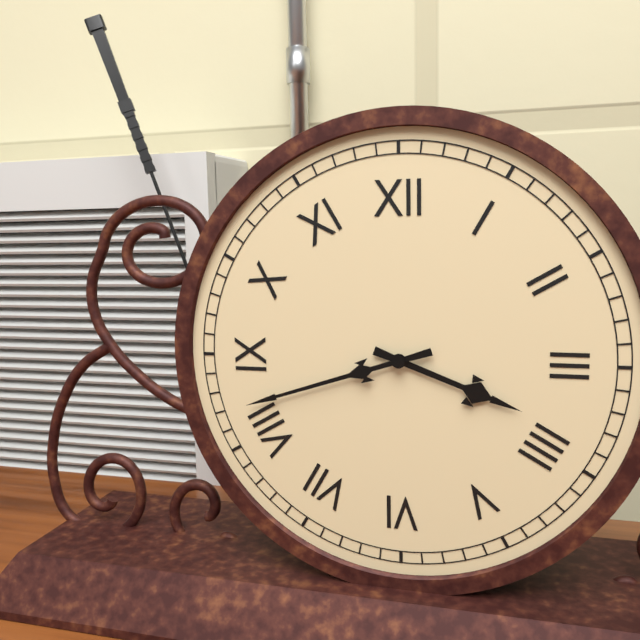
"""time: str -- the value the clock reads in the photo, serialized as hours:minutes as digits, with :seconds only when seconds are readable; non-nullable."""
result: 3:42
